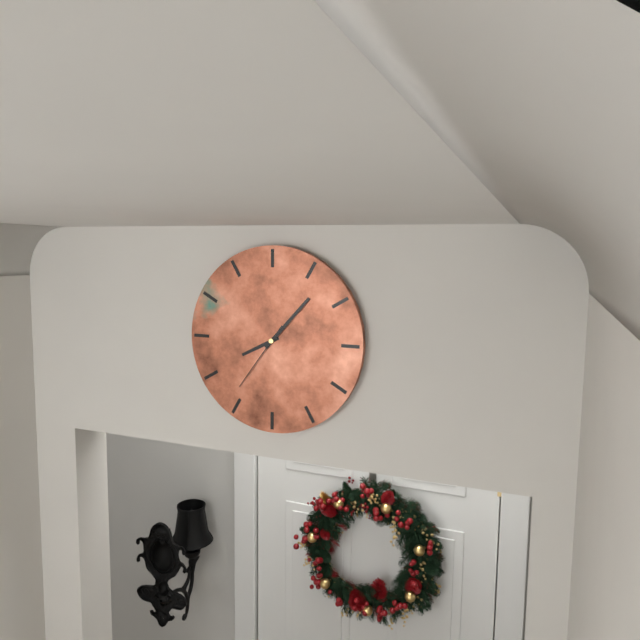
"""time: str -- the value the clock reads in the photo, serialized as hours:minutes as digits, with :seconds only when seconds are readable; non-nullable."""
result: 8:07:36
